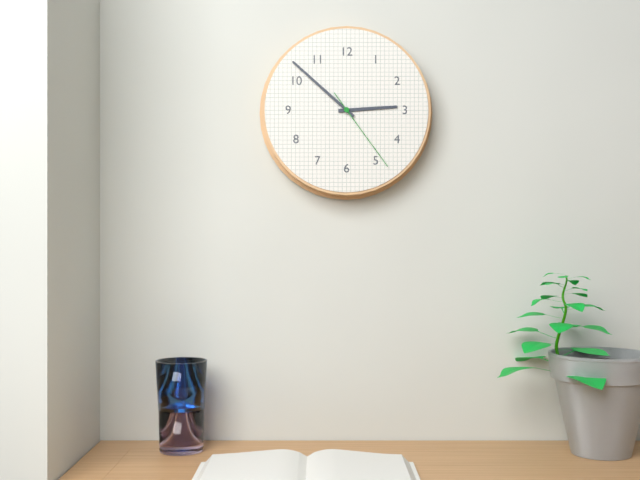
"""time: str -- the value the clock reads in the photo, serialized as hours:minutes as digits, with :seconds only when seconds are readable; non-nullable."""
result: 2:52:24
